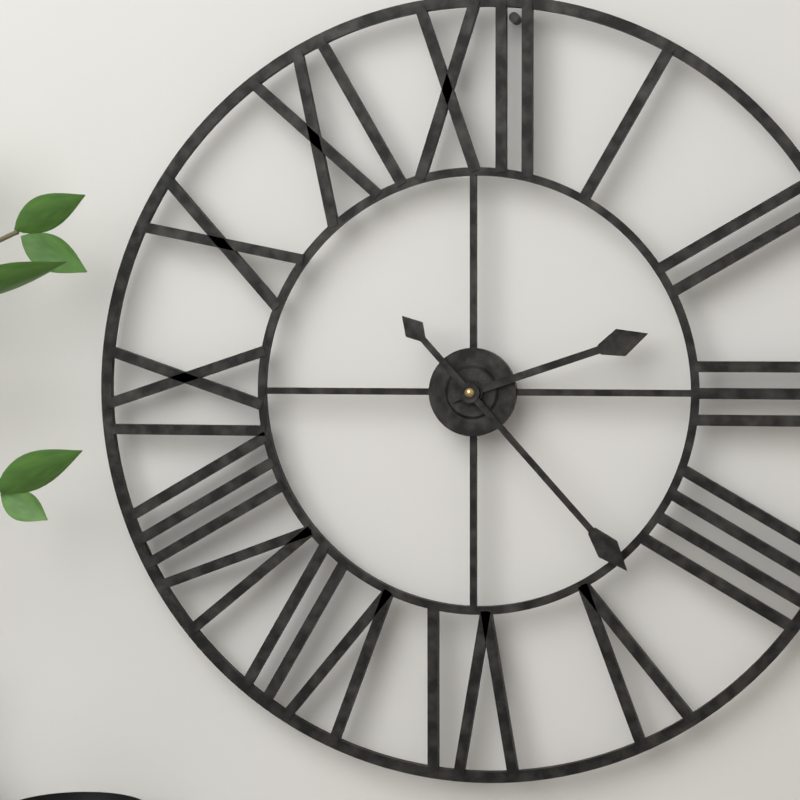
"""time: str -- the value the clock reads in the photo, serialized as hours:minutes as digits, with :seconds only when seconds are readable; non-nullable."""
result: 2:23
